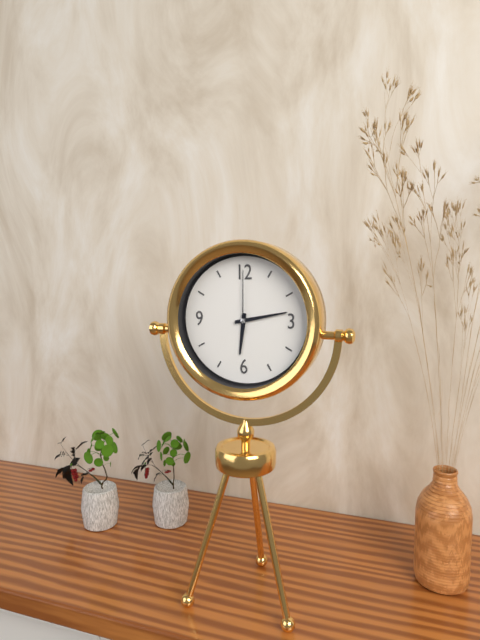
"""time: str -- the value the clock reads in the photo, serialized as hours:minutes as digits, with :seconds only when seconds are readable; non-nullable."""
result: 6:13:00
